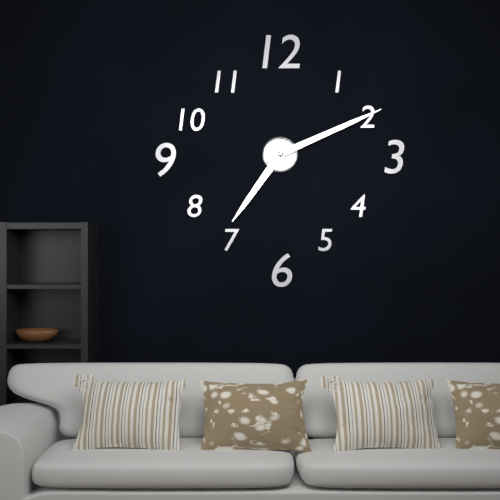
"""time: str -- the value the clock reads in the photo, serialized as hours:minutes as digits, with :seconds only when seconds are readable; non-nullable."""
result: 7:11
